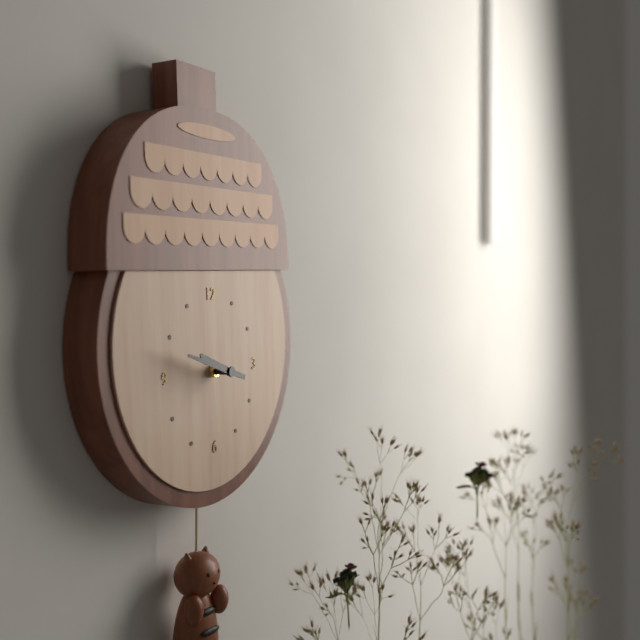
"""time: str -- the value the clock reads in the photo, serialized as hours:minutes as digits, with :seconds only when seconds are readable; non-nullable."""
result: 9:48
